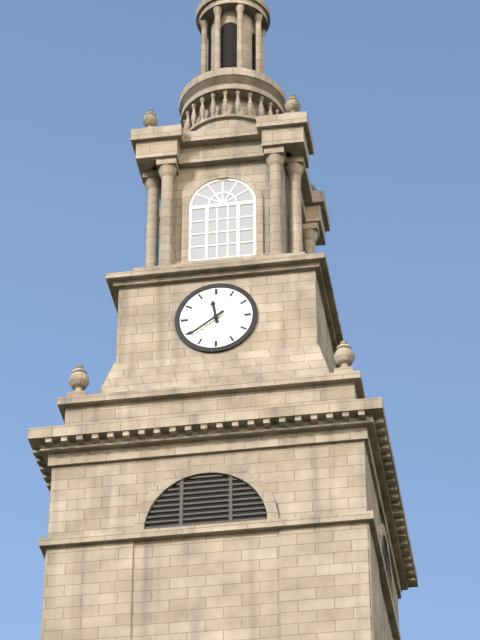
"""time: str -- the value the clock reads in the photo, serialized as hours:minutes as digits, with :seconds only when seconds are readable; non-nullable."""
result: 11:39
